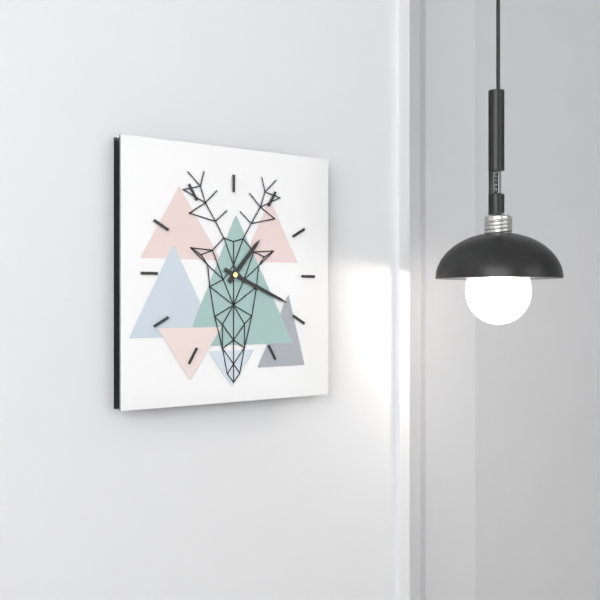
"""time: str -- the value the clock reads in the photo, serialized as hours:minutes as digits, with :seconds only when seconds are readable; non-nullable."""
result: 1:19
